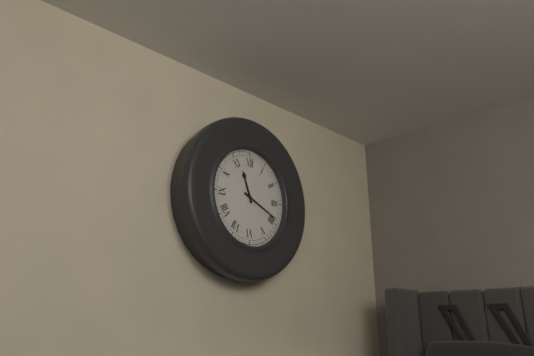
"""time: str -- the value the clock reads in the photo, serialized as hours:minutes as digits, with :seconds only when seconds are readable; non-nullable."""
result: 11:19
